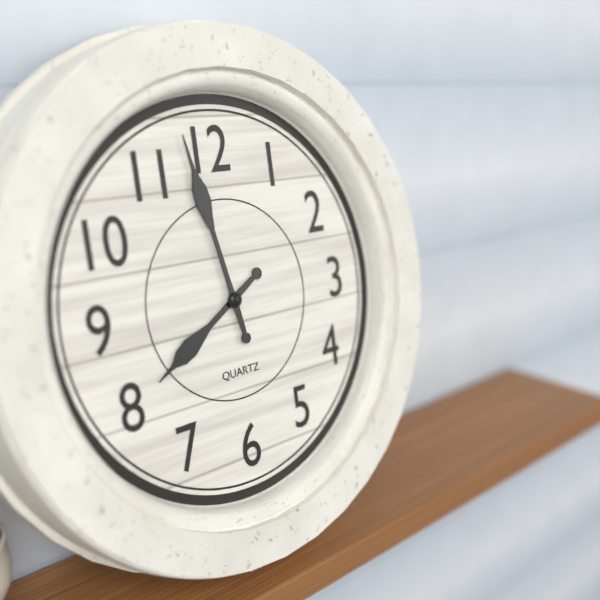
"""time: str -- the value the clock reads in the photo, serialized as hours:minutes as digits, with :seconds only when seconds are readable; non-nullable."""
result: 7:58
